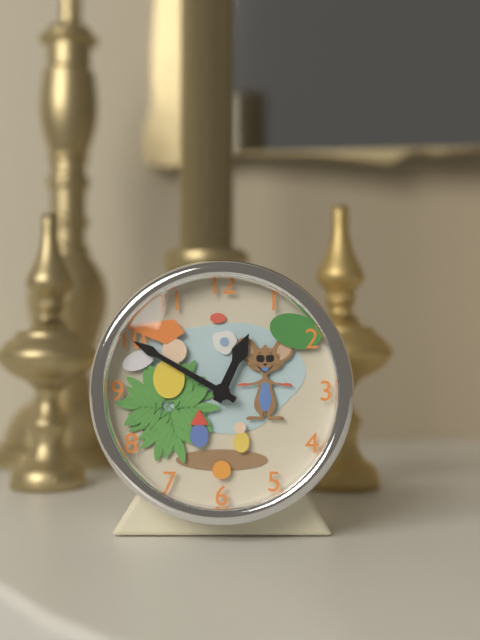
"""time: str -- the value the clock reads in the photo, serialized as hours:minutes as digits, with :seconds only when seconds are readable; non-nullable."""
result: 12:50
